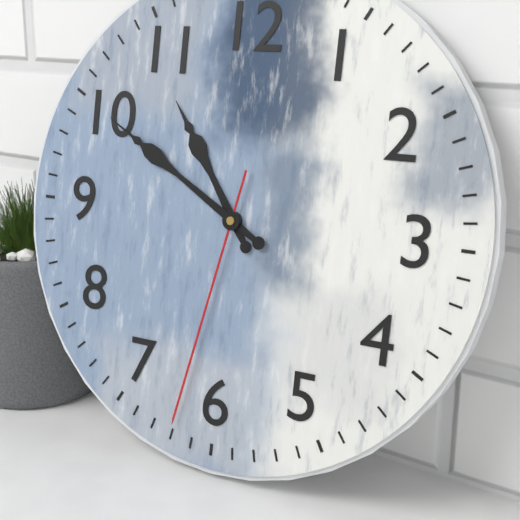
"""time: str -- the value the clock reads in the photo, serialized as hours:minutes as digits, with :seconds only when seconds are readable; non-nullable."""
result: 10:50:32
